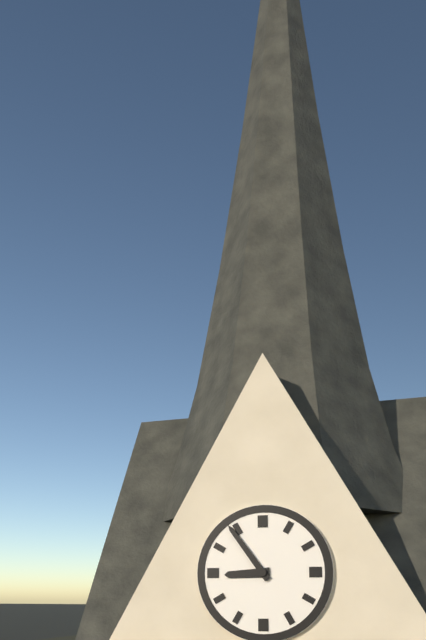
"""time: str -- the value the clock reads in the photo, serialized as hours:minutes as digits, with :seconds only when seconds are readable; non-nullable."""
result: 8:54
